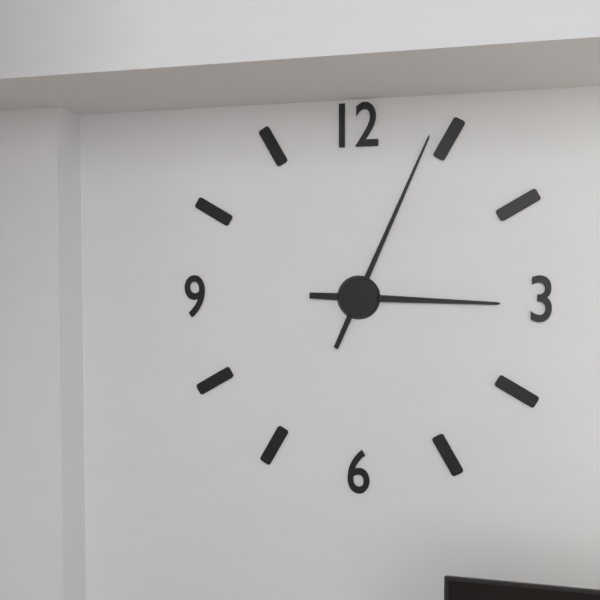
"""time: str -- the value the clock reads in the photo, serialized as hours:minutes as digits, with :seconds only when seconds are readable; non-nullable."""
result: 3:04
